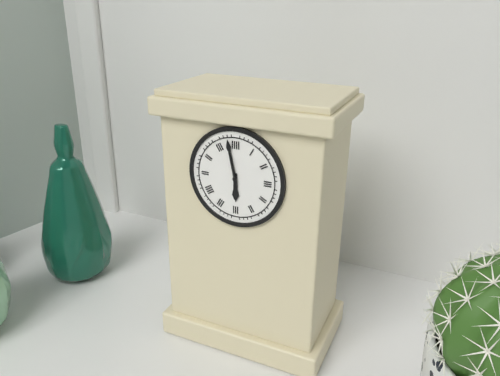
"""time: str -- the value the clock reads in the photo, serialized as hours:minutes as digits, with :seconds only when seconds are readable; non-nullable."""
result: 5:58
